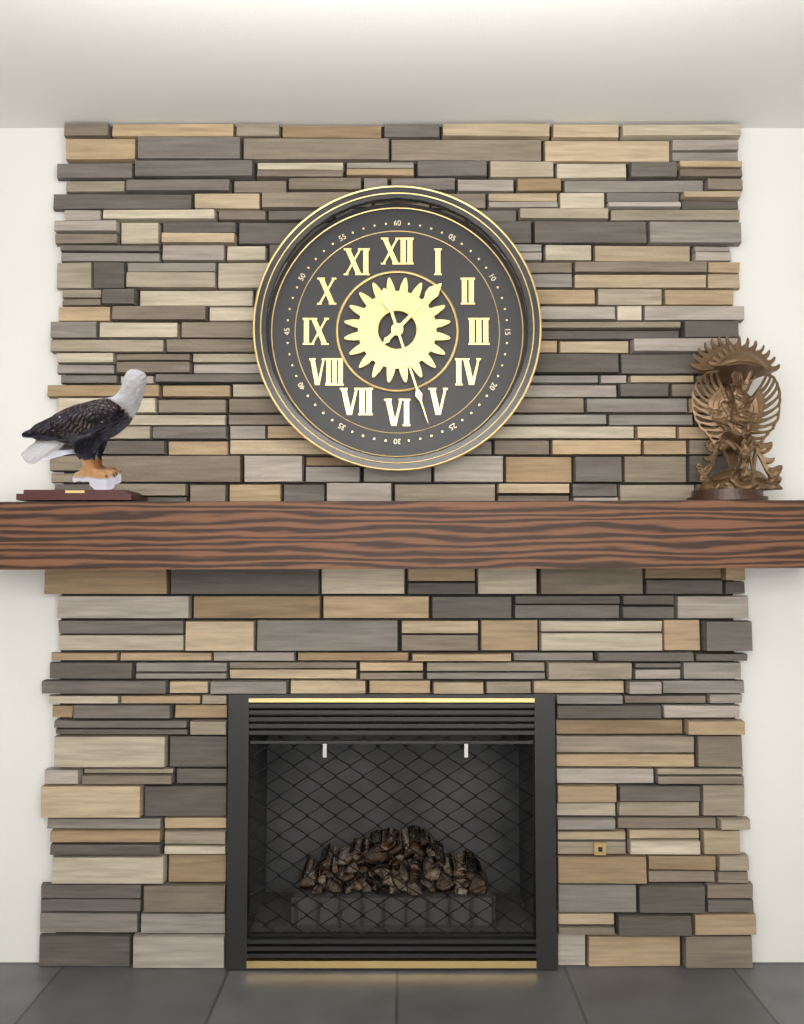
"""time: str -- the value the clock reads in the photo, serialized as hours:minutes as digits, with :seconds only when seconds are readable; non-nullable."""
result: 1:27
